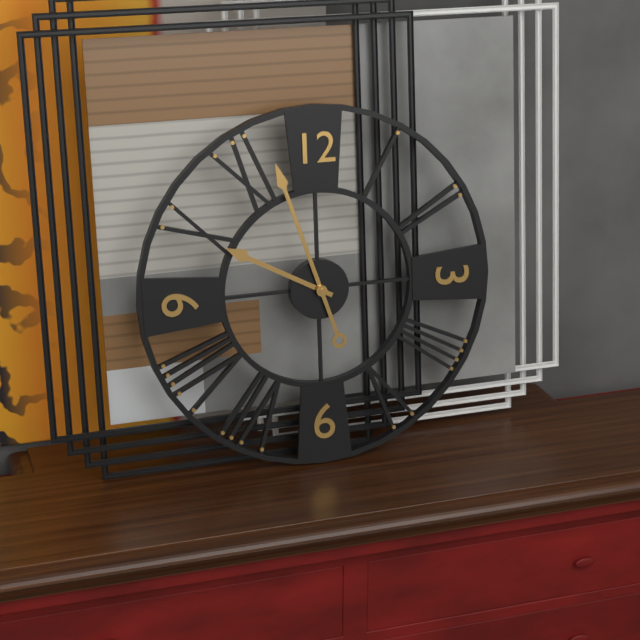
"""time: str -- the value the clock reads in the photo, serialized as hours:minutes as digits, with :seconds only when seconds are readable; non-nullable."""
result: 9:57
